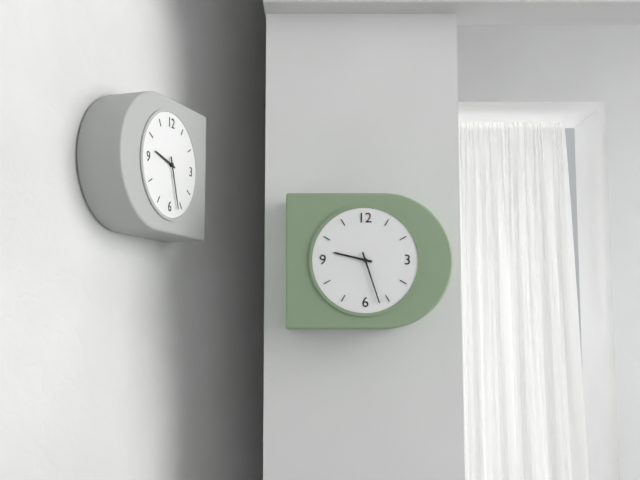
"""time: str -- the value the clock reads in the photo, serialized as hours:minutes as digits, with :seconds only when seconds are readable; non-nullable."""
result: 9:27
